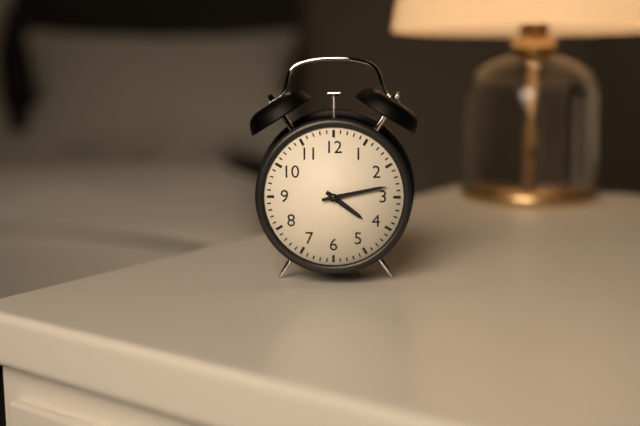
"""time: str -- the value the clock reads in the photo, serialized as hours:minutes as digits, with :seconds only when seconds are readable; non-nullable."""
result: 4:13
